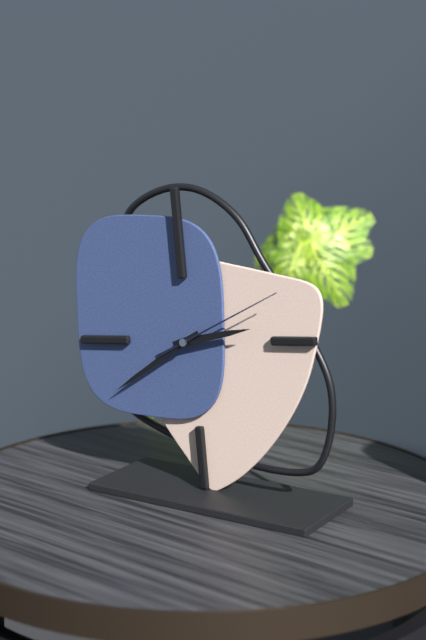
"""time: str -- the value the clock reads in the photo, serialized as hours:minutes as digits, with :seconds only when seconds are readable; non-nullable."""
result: 2:40:11
